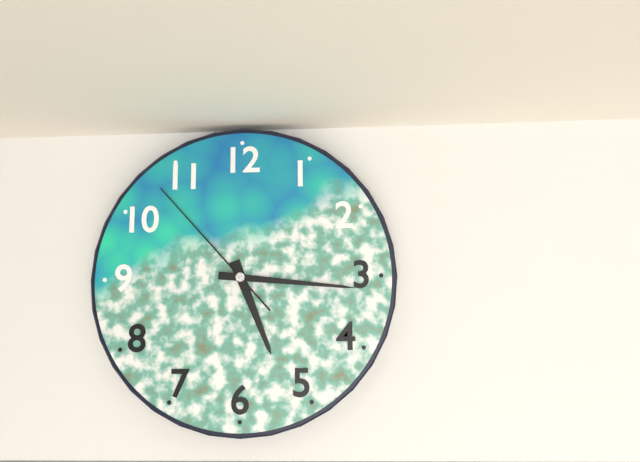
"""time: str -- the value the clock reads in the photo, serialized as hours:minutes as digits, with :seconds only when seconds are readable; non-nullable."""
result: 5:16:53
